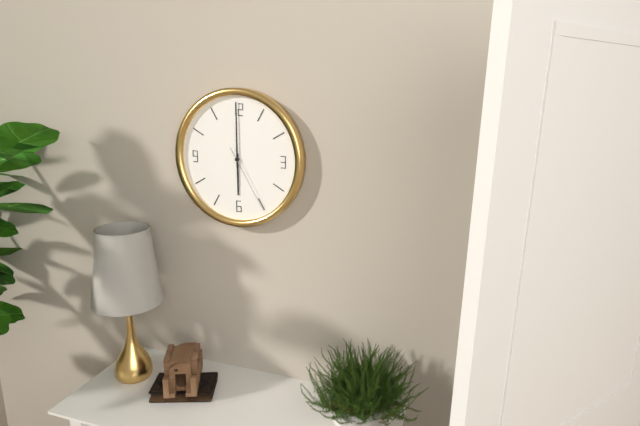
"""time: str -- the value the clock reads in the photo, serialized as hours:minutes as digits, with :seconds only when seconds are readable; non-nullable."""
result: 6:00:25
